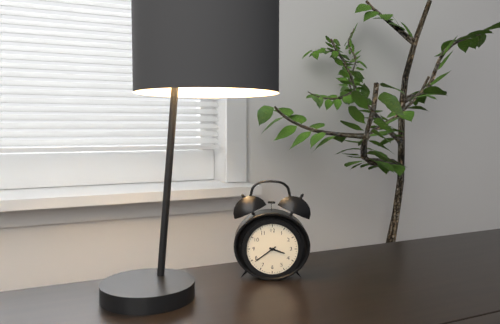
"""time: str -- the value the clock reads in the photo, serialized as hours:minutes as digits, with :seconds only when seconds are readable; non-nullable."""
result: 3:39
